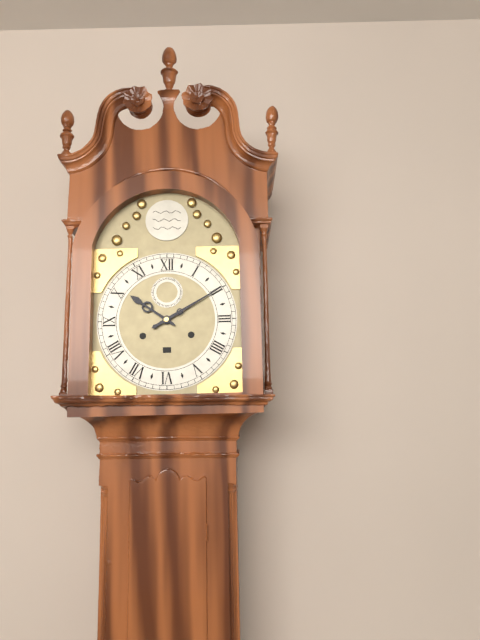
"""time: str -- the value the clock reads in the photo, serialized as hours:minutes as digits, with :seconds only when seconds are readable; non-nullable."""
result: 10:10
